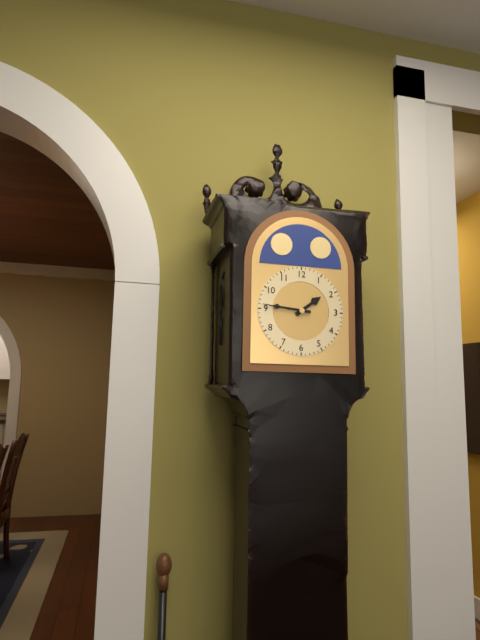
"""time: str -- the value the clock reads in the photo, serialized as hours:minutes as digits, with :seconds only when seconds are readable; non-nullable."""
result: 1:46
